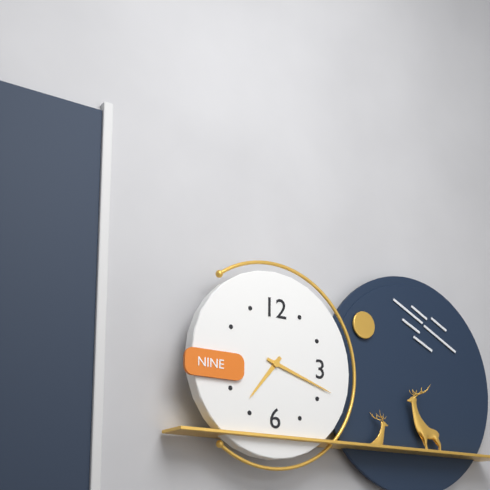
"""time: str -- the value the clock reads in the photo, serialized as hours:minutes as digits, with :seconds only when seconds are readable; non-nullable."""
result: 7:18
